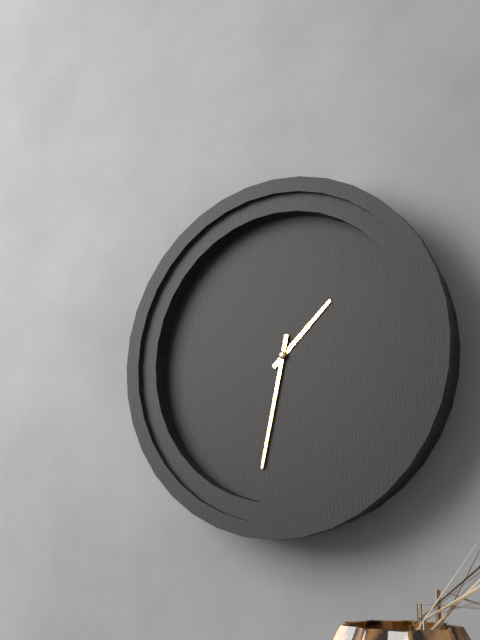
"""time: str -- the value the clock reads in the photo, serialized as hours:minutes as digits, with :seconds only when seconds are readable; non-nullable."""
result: 1:32
